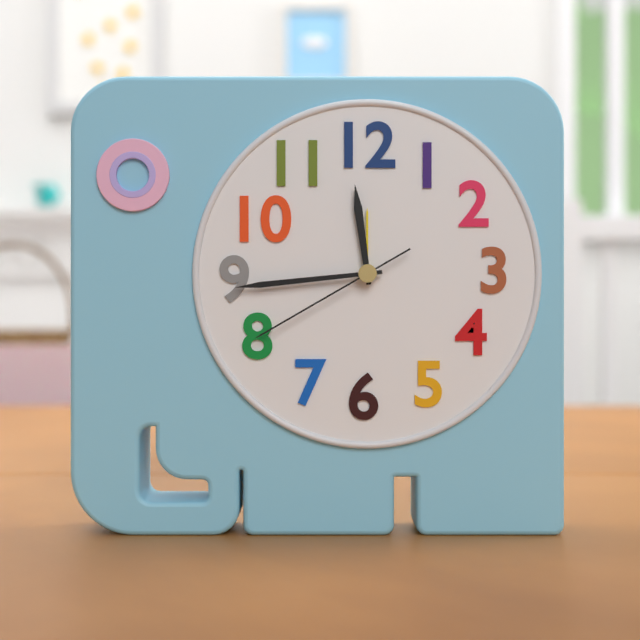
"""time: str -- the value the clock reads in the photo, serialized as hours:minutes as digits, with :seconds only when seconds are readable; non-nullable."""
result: 11:44:40
